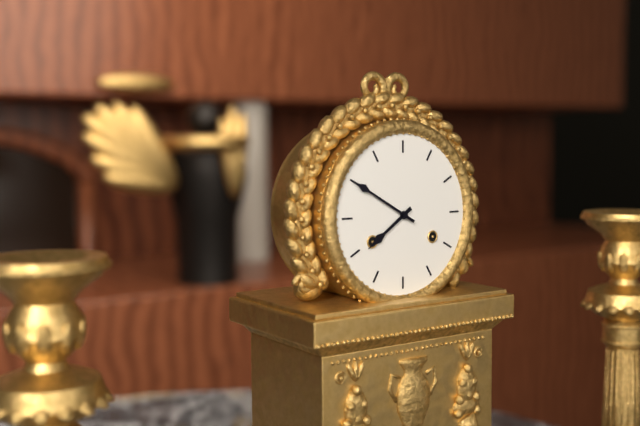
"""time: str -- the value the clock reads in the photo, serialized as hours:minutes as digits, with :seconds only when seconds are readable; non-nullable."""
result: 7:50
